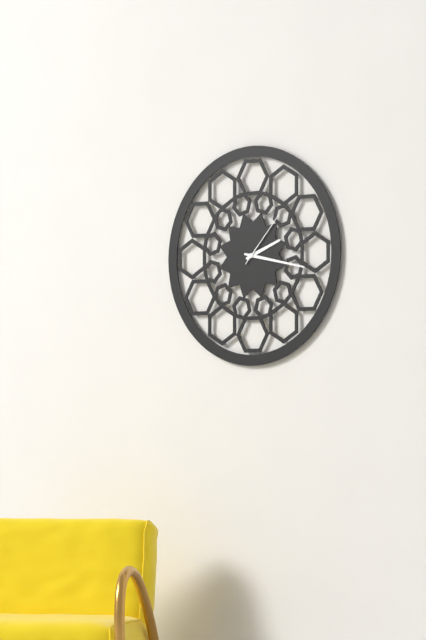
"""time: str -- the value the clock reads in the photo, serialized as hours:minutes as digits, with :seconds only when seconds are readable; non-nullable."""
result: 2:17:07
